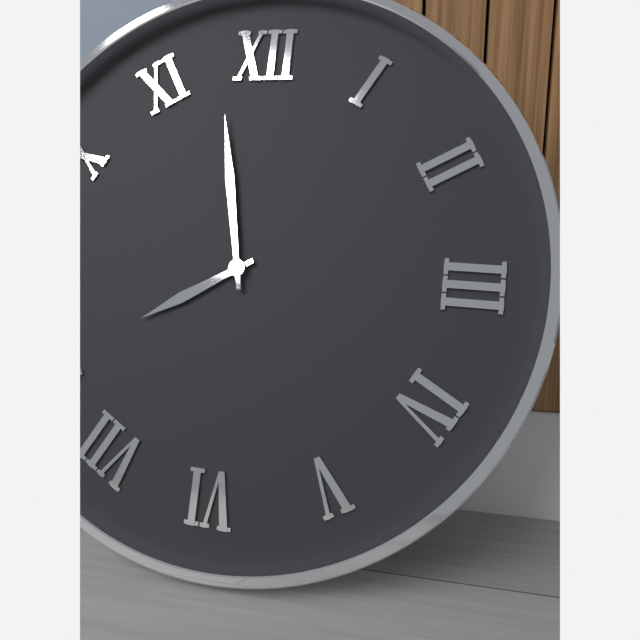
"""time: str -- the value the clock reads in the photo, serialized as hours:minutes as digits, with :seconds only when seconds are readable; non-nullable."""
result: 7:58
